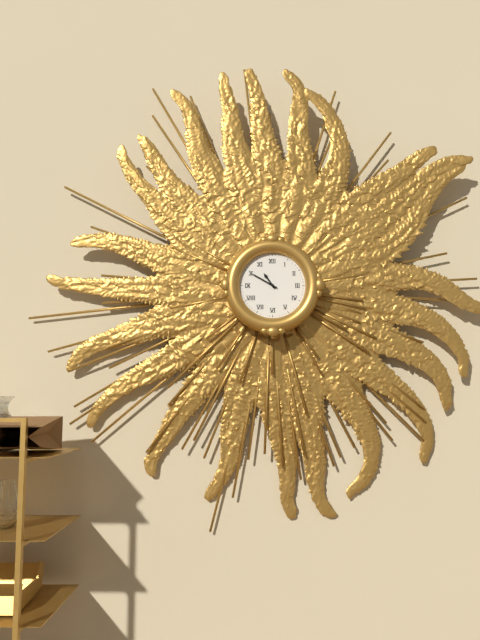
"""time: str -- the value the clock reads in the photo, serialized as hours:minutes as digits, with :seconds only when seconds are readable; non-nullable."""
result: 10:50
